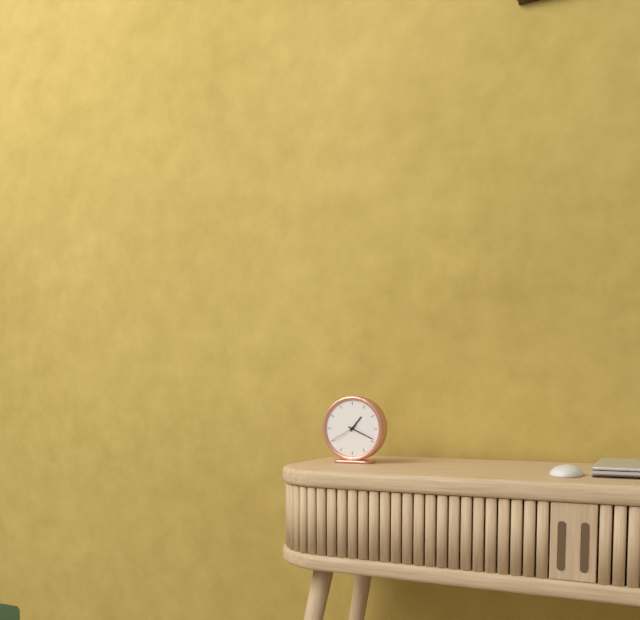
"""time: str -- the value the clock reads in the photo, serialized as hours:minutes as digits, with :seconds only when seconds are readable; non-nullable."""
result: 1:19
